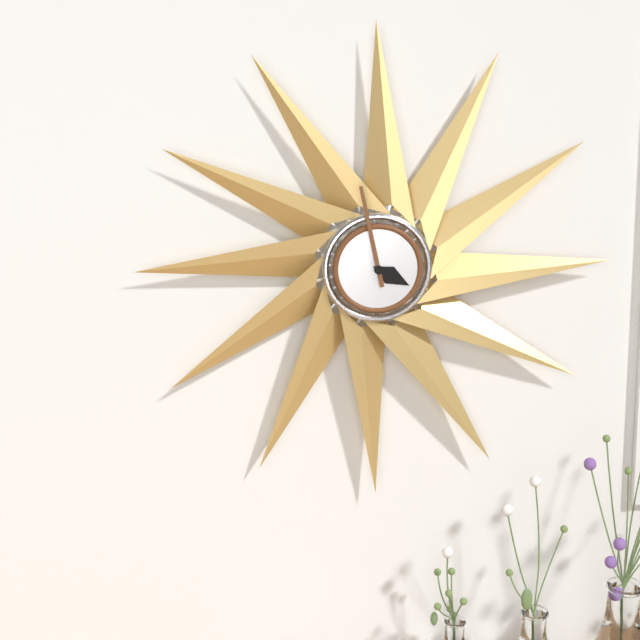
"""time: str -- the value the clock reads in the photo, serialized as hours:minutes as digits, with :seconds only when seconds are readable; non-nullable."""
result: 3:58
